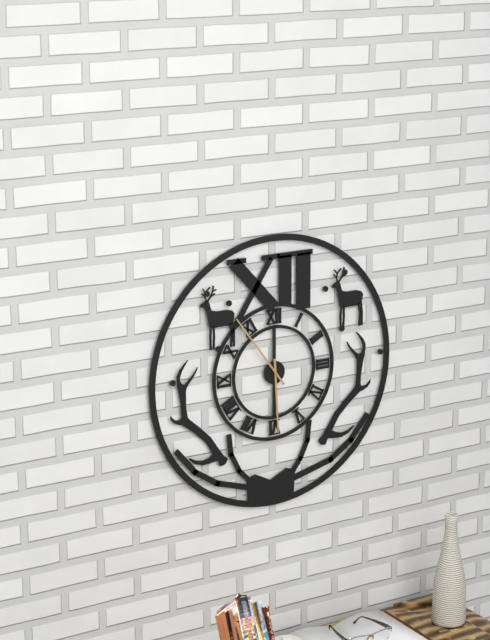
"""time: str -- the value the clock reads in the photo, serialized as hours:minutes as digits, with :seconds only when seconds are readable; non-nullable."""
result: 5:54
